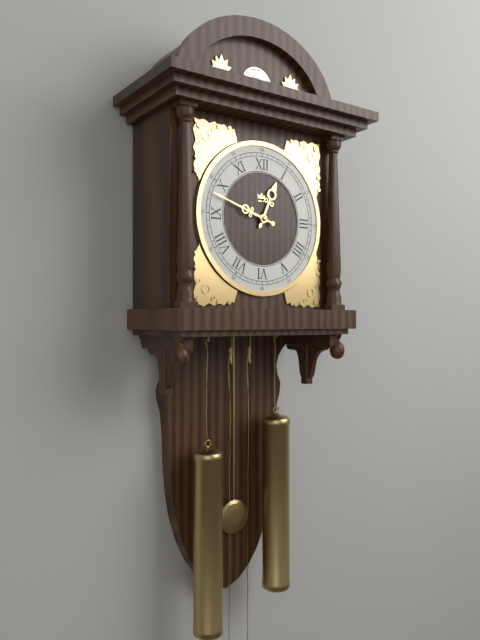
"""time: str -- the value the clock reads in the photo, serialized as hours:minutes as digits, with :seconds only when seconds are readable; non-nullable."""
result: 12:48
